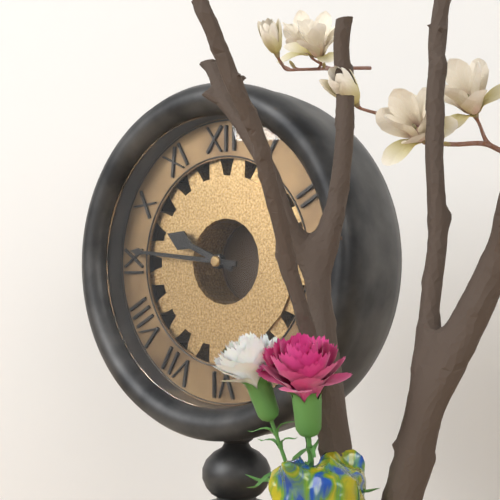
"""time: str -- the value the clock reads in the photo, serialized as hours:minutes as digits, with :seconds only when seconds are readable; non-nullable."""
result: 9:46
